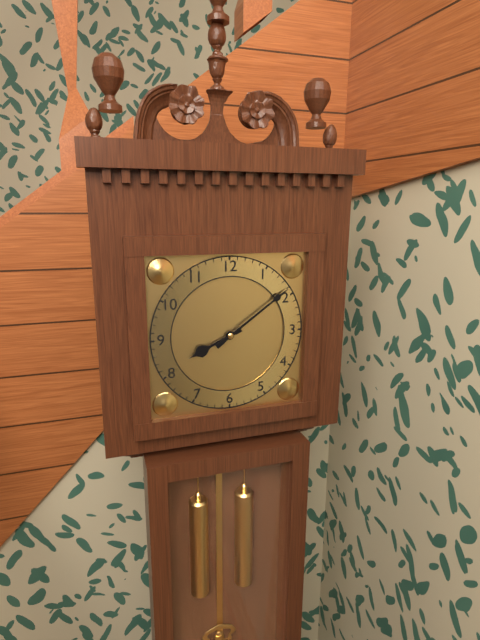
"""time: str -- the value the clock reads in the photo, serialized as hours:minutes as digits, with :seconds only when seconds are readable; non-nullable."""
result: 8:09
